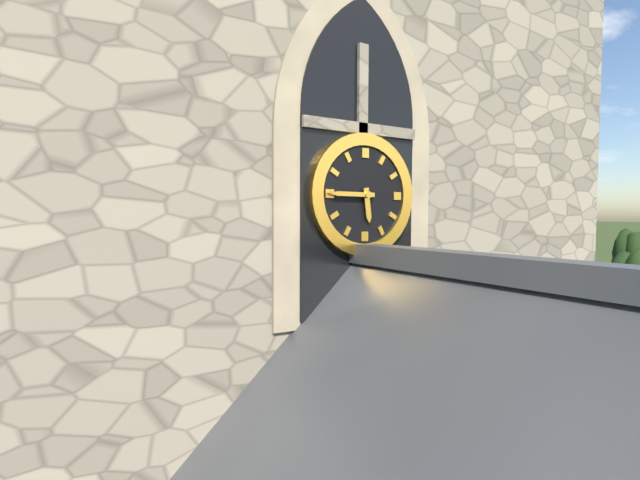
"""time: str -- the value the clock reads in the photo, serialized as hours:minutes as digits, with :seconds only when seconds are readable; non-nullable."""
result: 5:45
